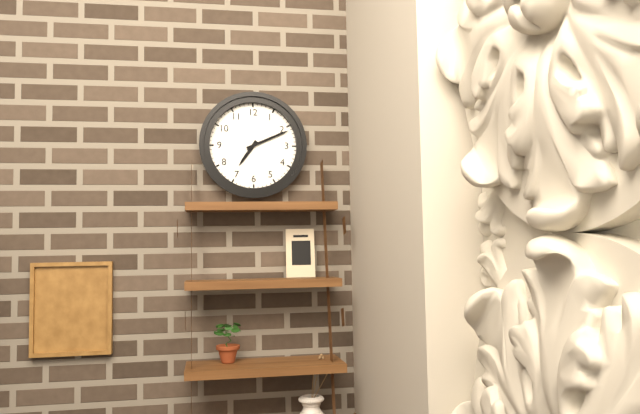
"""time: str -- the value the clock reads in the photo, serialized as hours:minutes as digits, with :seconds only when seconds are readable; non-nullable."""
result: 7:11
